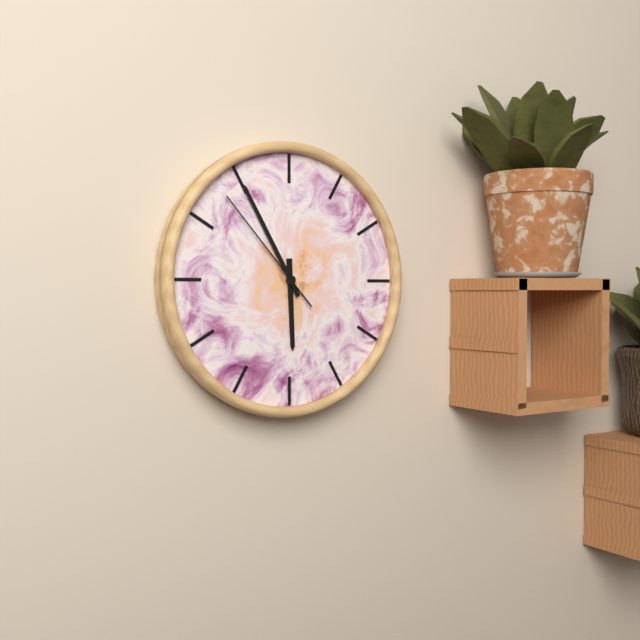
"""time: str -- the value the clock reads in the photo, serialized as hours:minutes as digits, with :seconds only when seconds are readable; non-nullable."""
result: 5:55:53
